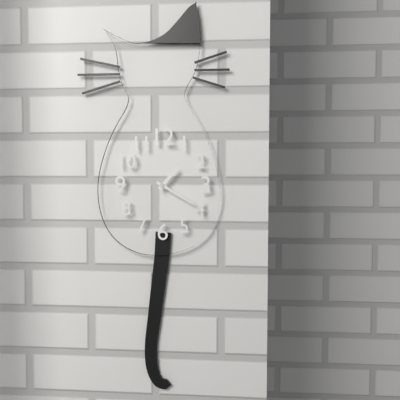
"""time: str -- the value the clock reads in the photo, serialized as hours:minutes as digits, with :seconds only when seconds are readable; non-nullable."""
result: 1:20
